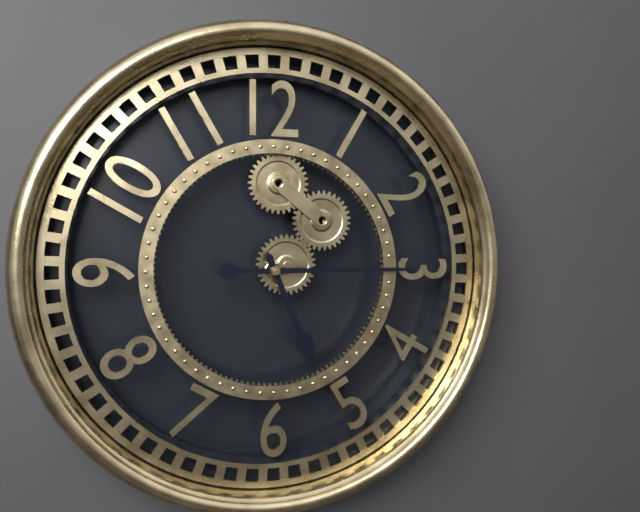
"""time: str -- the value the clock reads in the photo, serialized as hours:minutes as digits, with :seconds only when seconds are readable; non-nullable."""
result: 5:15
